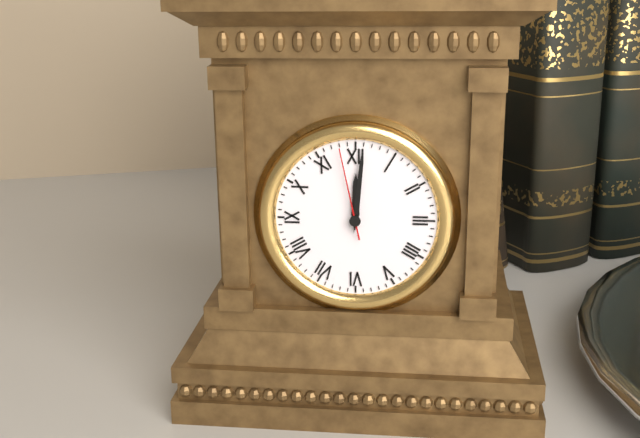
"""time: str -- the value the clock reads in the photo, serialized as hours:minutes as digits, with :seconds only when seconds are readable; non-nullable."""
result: 12:01:58
